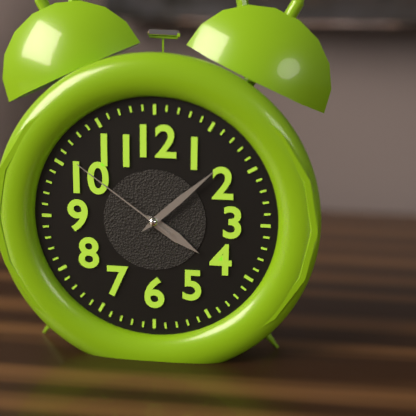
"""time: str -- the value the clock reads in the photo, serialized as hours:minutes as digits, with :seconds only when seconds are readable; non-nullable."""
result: 4:08:51
